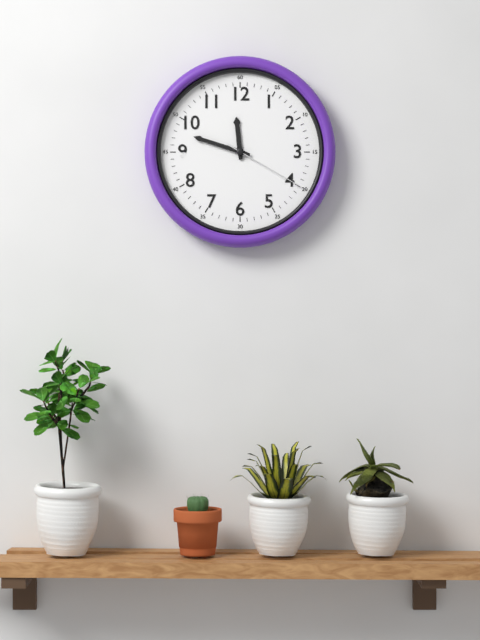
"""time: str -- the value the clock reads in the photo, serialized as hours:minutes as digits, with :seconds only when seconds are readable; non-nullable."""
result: 11:48:20
